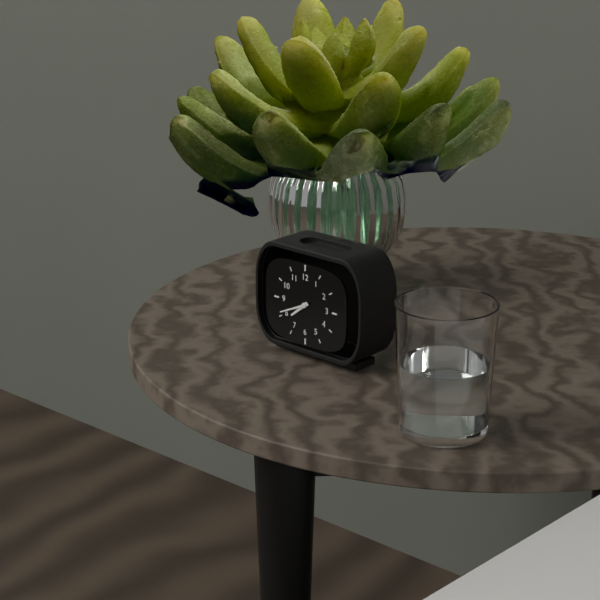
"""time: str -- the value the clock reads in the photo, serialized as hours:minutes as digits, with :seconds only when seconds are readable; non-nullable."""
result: 7:41
